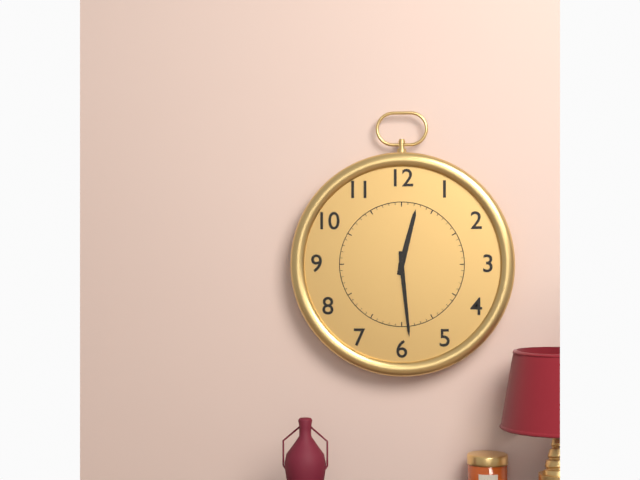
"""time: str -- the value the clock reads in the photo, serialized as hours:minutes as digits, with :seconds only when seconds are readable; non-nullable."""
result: 12:29
